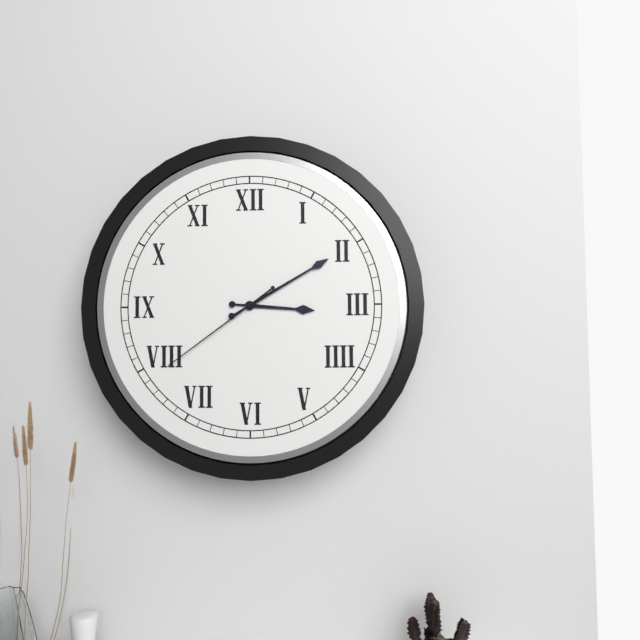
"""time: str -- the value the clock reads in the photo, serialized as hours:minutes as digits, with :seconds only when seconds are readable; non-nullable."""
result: 3:10:39
